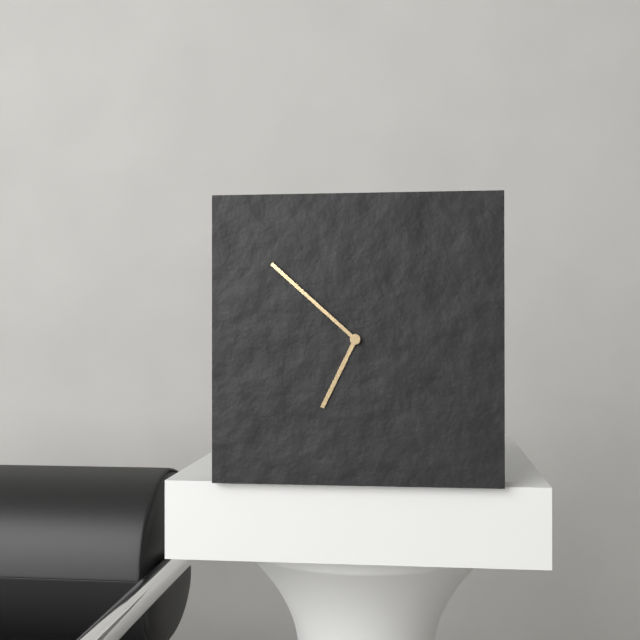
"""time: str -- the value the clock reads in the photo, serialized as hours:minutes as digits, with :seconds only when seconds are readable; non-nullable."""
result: 6:52
